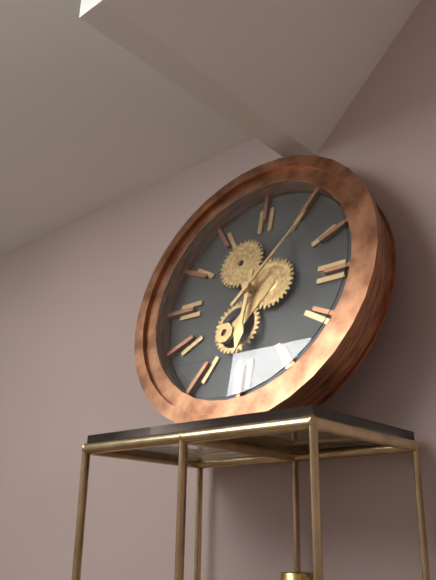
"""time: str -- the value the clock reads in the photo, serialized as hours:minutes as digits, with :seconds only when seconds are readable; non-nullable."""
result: 6:07
